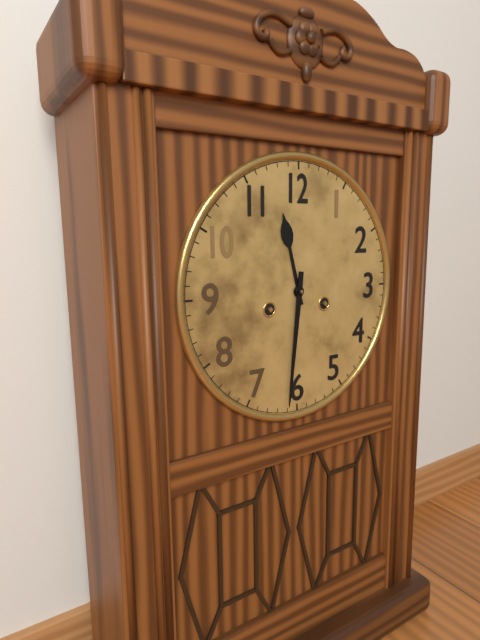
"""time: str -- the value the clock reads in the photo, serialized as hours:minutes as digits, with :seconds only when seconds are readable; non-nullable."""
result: 11:31
